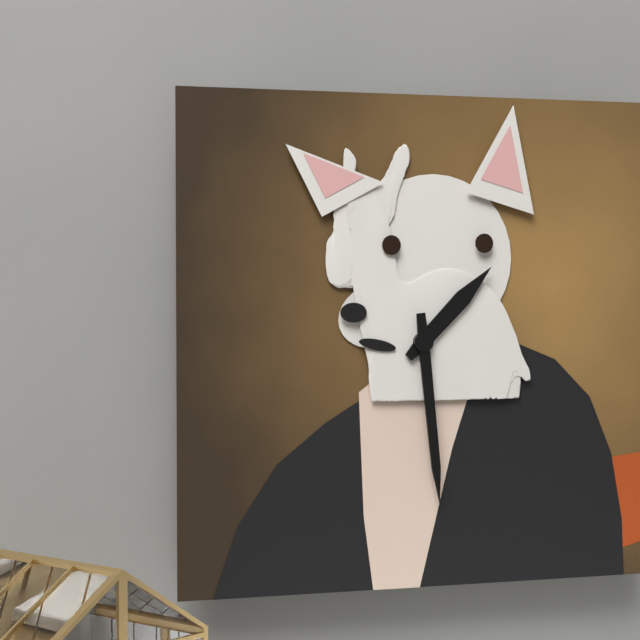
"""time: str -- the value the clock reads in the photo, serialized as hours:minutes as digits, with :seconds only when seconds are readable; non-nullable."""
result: 1:29
